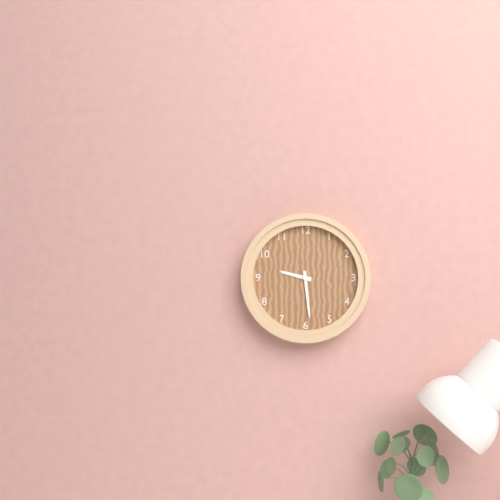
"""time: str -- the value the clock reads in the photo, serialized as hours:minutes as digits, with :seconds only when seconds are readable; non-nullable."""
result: 9:29
